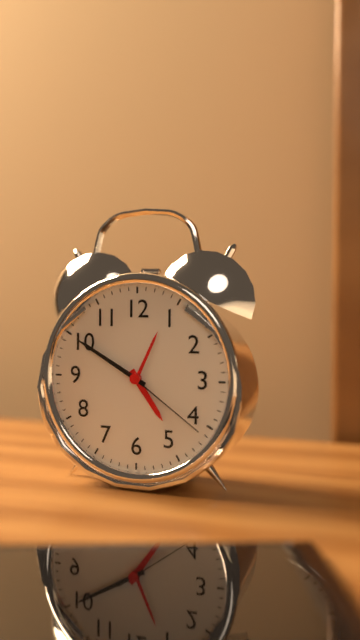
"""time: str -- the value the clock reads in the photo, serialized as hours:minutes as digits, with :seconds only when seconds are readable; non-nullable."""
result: 4:50:21
